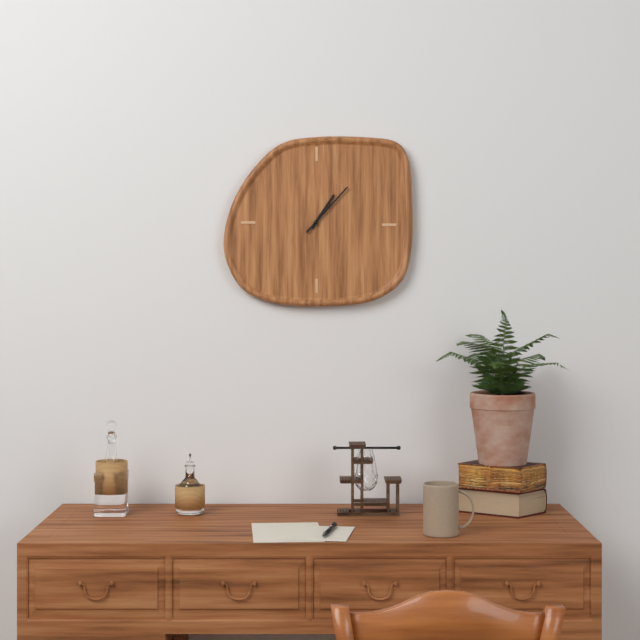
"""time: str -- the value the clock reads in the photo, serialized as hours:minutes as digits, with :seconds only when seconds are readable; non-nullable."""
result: 1:07
